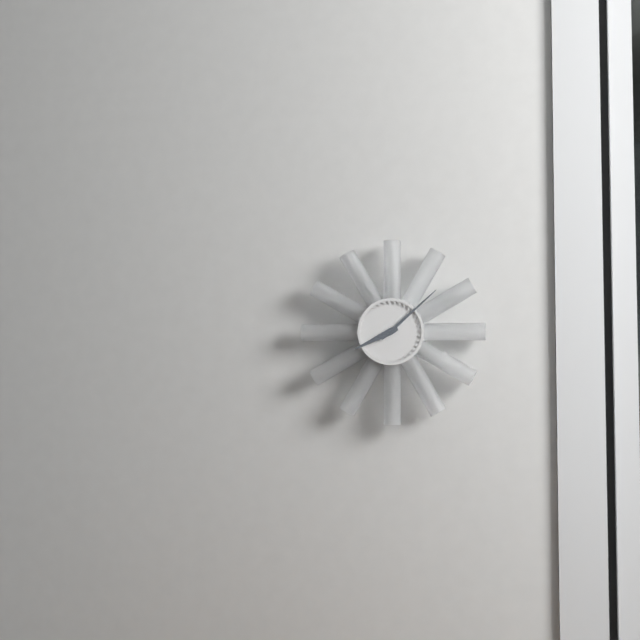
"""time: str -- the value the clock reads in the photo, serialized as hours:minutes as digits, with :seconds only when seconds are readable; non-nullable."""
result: 8:08
